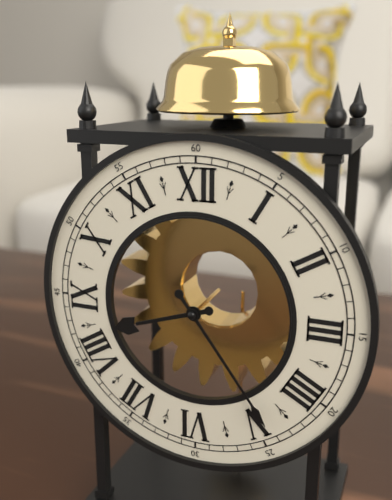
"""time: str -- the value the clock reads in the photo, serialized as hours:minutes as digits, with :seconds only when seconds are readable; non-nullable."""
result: 8:24
